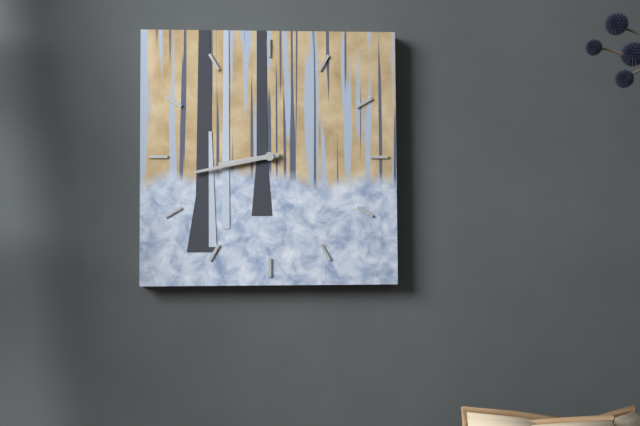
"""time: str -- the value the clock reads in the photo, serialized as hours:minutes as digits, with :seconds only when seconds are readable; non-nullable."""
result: 8:43
